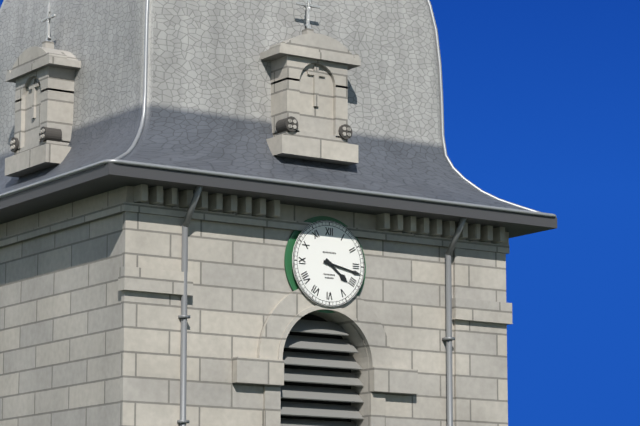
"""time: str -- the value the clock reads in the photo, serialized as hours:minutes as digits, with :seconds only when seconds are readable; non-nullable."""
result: 4:17
